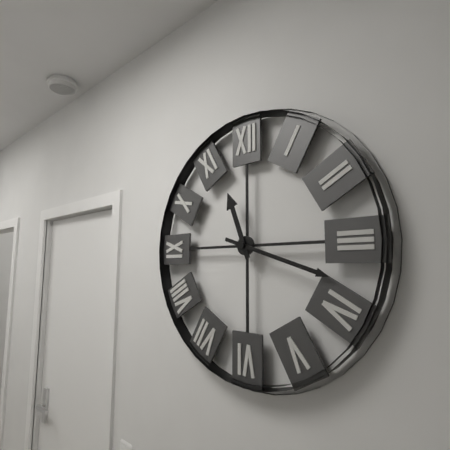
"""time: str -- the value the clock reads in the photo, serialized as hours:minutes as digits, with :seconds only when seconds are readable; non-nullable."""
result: 11:18
